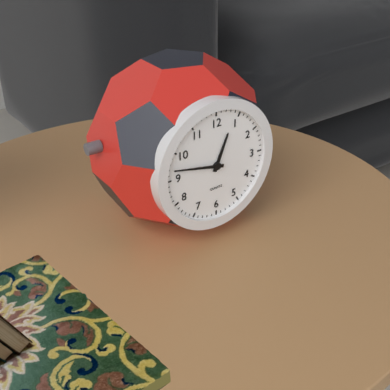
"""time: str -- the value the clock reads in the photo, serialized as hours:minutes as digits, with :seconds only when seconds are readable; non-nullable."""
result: 12:47
